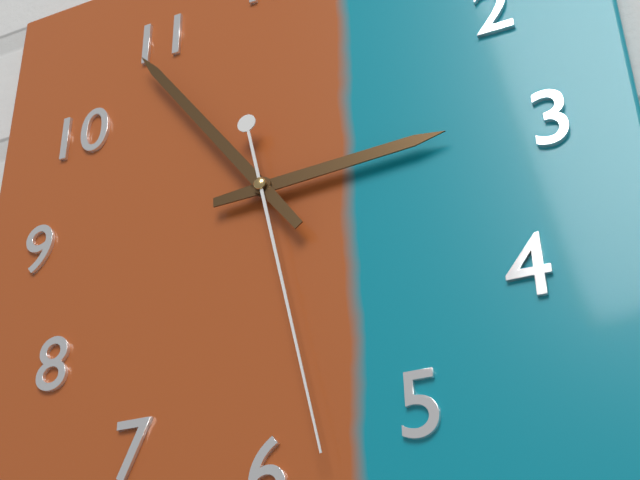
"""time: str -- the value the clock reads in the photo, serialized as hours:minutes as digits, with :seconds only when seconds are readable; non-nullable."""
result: 2:54:28
